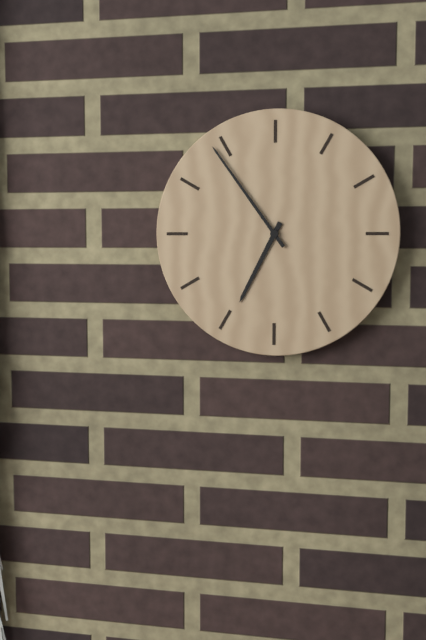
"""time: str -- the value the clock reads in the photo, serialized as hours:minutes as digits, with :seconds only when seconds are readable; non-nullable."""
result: 6:54
